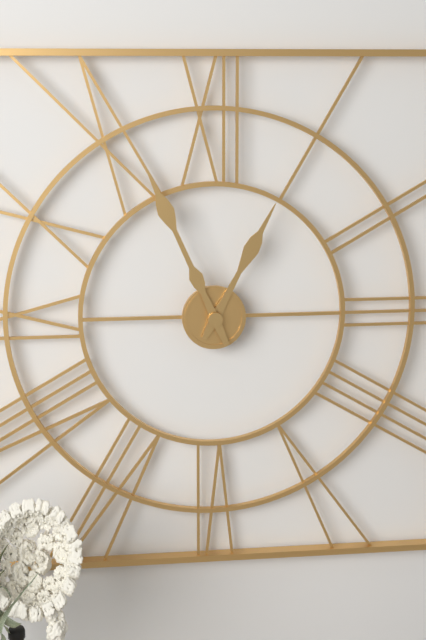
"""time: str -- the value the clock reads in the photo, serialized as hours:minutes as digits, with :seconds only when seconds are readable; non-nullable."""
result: 12:56
